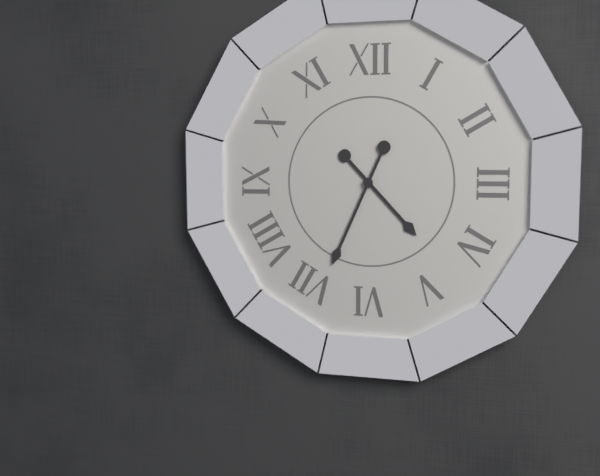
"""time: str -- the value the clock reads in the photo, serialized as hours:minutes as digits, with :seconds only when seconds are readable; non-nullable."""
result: 4:34
